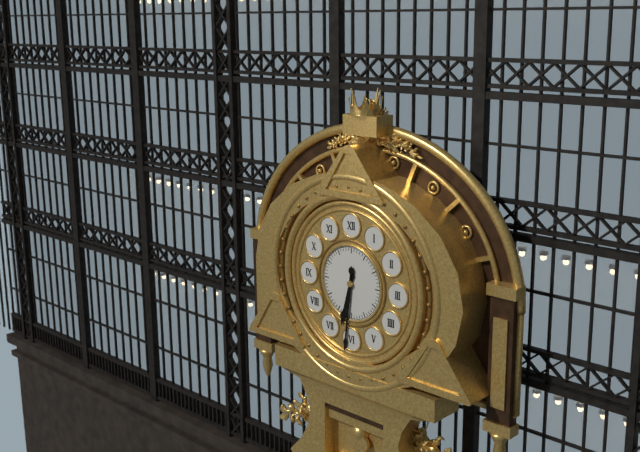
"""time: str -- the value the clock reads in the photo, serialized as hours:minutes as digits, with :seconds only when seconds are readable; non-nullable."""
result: 6:31
